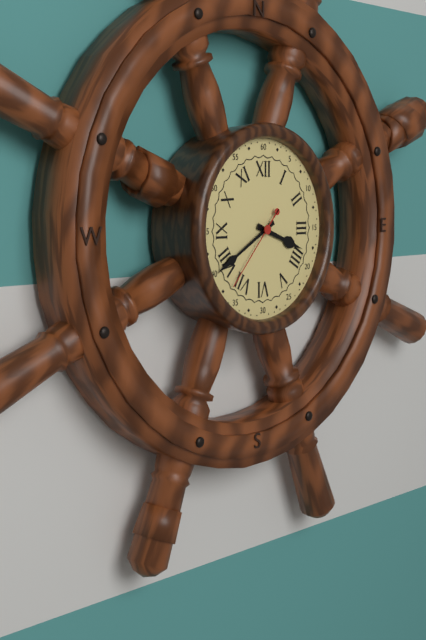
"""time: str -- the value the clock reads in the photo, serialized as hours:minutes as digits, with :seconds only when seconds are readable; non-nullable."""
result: 3:40:37
